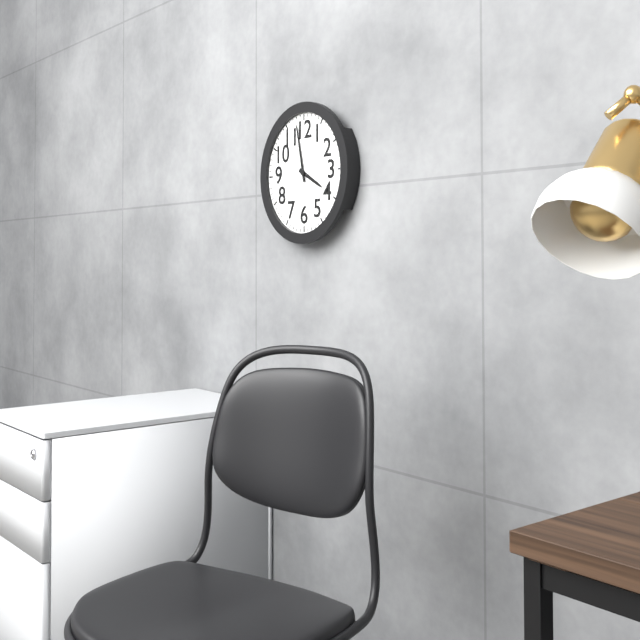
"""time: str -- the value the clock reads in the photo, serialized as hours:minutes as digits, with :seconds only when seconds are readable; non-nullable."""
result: 3:58
